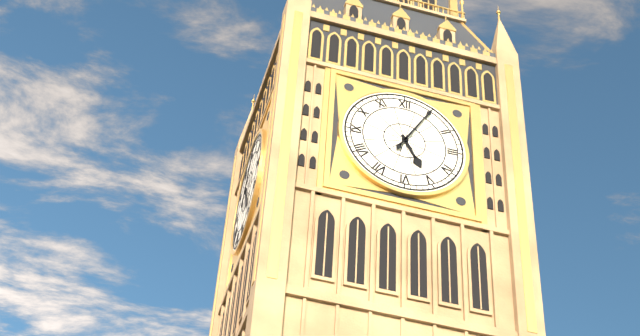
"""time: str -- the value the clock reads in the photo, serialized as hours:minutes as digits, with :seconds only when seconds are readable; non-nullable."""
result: 5:05
